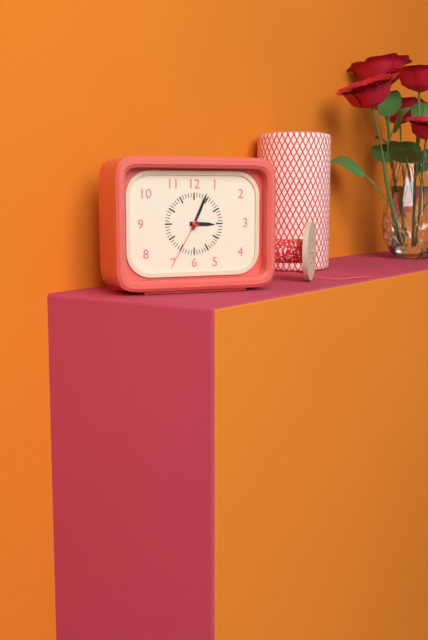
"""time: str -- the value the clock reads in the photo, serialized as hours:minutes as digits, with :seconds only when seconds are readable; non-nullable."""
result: 3:04
